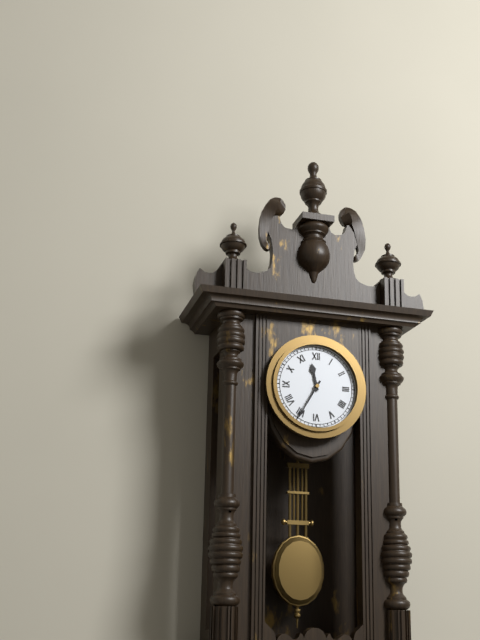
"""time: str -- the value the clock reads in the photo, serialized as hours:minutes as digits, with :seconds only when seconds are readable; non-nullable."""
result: 11:35
